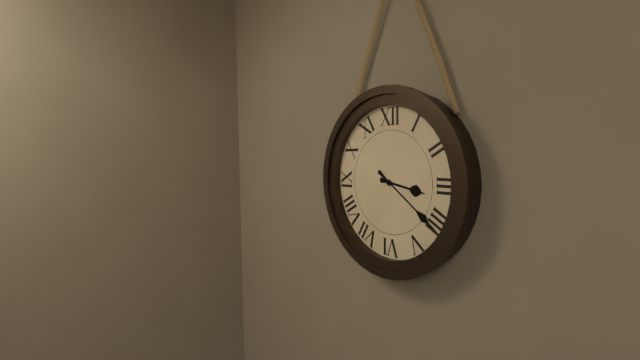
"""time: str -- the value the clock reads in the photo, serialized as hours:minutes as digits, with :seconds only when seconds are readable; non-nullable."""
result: 3:21
